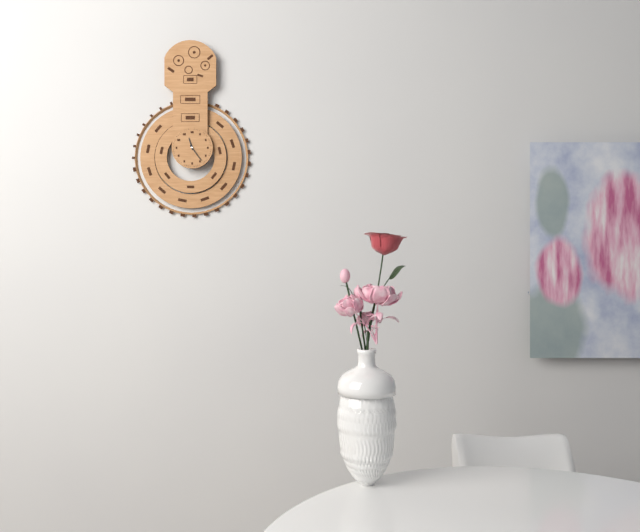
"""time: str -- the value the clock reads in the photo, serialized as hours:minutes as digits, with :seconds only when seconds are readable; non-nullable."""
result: 11:24
